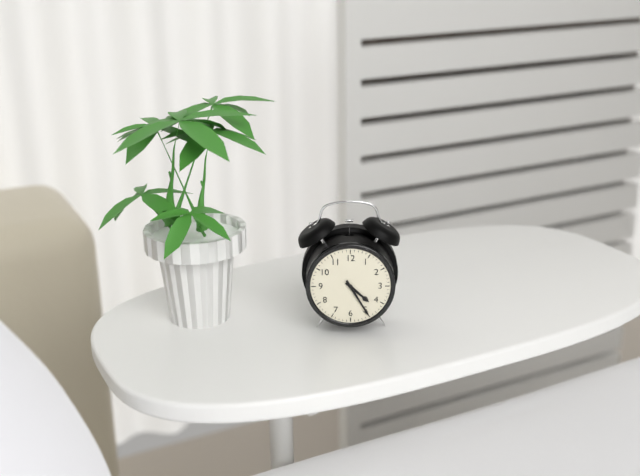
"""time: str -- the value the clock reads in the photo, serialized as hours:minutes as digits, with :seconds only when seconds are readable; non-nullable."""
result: 4:25
